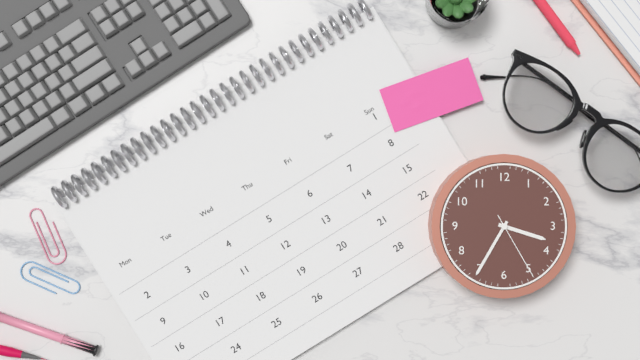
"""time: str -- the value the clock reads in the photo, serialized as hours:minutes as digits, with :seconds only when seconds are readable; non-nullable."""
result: 3:35:25
